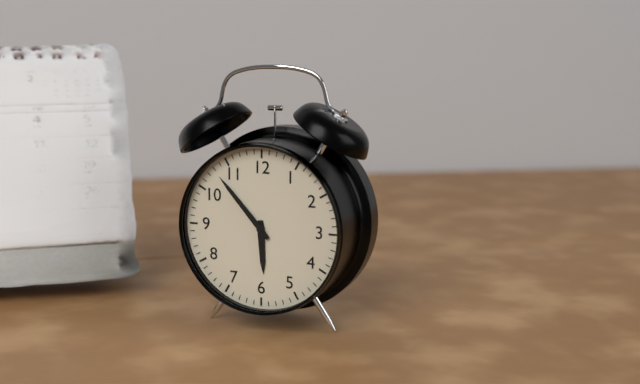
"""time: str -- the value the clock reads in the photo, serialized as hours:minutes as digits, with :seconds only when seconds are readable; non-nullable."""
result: 5:53
